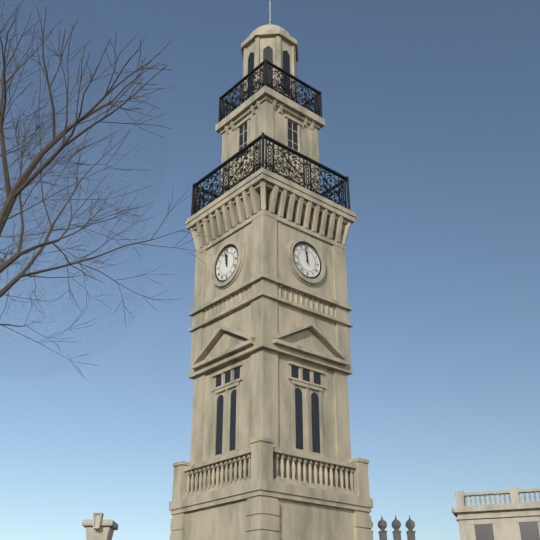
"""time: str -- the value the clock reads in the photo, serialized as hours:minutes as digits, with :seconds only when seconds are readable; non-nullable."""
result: 11:58
